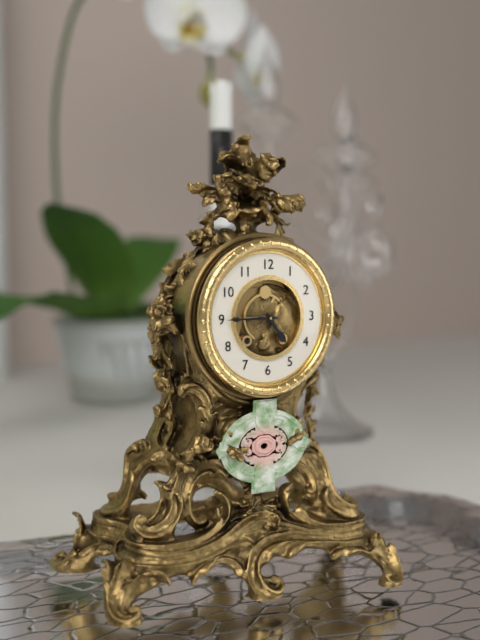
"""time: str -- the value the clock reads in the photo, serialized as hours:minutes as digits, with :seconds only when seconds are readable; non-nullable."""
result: 4:45
